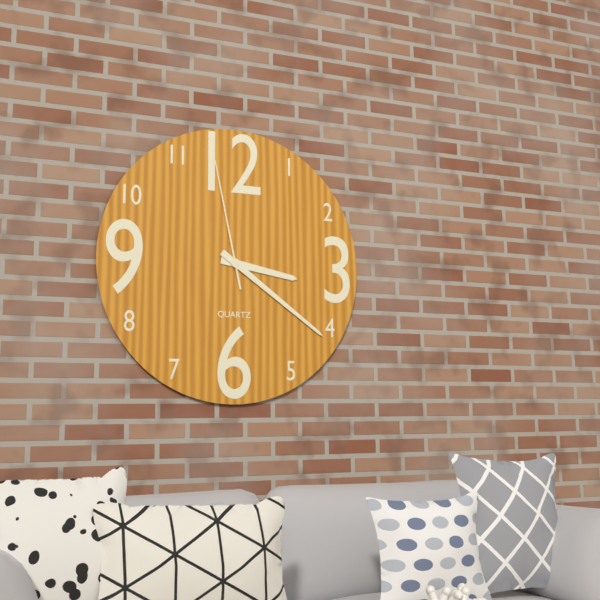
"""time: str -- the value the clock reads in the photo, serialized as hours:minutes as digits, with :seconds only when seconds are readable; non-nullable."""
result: 3:21:58
